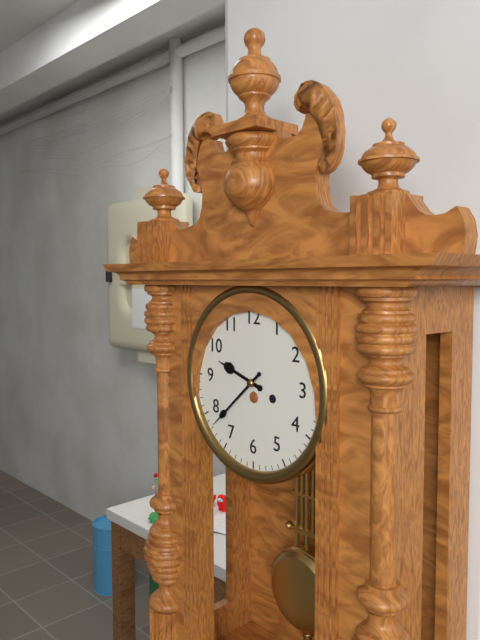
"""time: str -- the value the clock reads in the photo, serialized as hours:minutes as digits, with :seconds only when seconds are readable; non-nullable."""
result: 9:38
